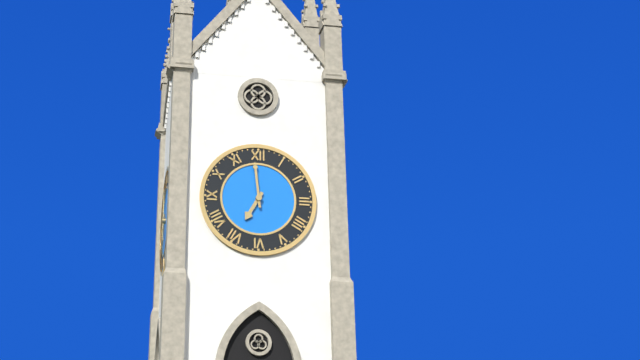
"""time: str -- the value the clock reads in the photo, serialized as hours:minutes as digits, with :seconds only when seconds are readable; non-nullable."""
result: 6:59
